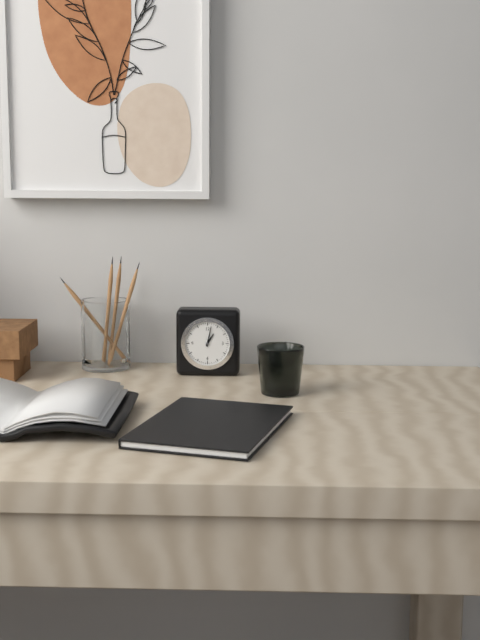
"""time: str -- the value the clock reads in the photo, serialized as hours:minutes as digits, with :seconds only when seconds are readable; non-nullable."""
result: 1:02
